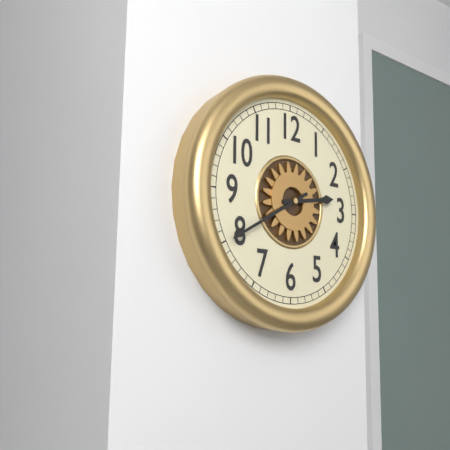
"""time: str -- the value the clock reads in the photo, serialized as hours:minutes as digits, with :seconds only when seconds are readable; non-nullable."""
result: 2:40
